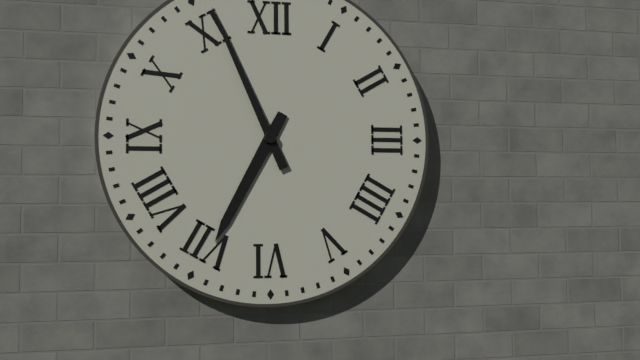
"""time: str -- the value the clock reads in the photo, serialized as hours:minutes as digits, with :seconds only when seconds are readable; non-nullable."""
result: 6:56
